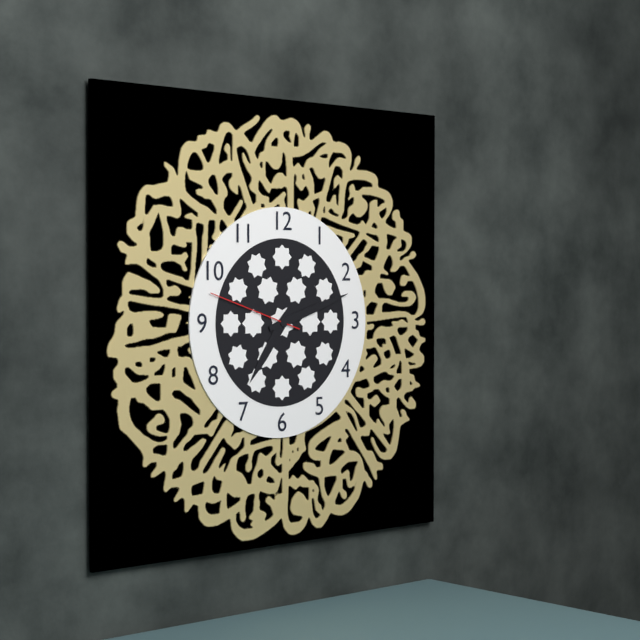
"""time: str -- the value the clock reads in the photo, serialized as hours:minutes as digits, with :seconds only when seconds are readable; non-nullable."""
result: 7:12:48
